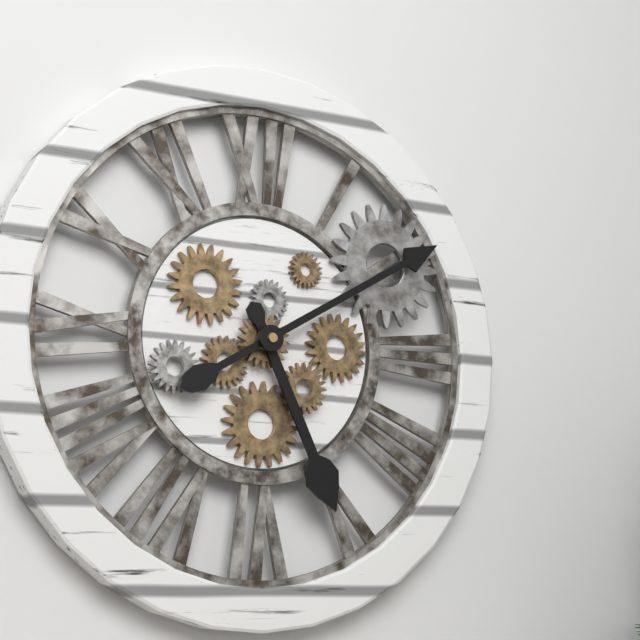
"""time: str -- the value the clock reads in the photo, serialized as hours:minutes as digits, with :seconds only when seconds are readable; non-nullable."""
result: 5:10
